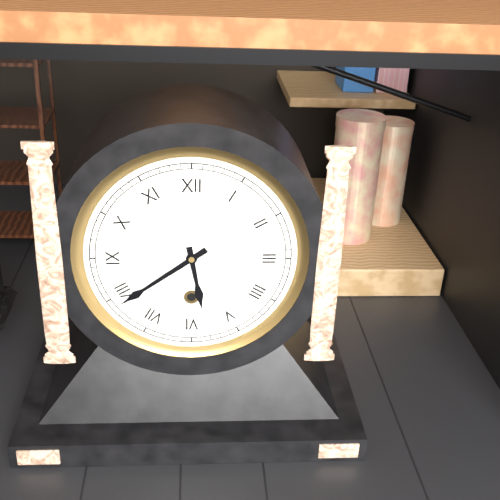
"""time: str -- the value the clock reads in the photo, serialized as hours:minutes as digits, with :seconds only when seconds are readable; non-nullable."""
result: 5:39
